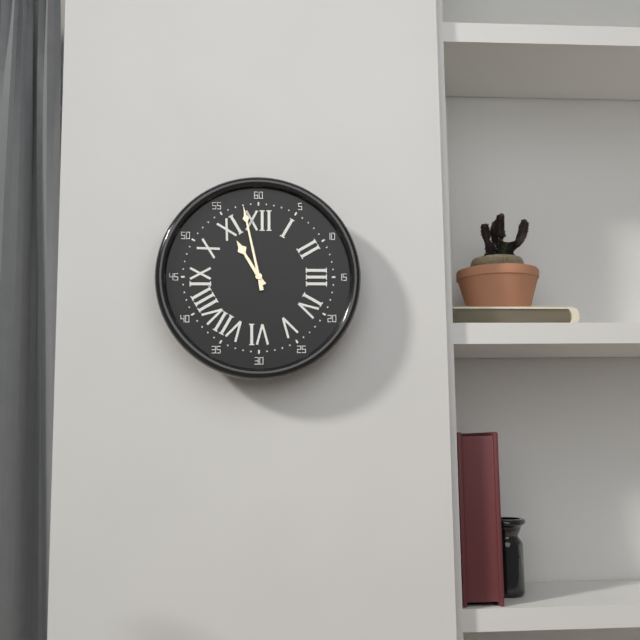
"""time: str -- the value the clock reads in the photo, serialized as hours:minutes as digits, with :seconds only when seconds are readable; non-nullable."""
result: 10:58
